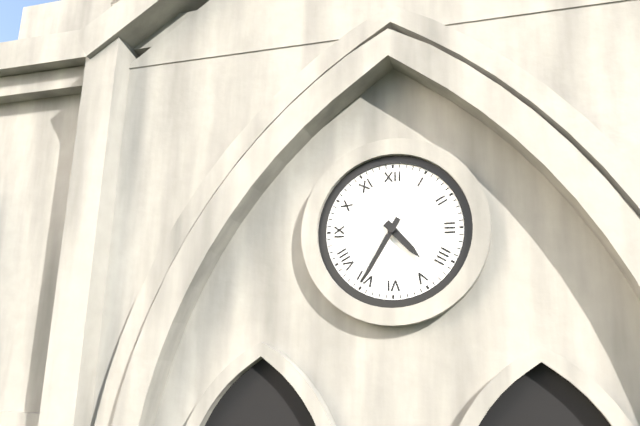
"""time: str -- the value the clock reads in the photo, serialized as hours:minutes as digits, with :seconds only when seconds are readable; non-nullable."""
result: 4:35
